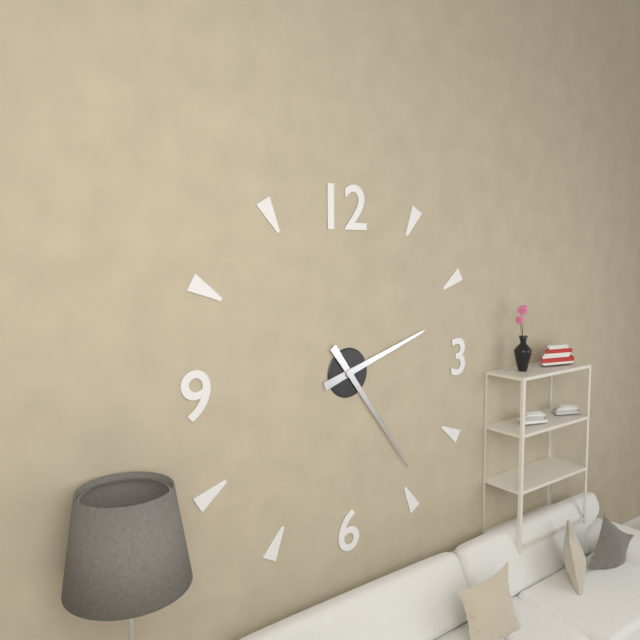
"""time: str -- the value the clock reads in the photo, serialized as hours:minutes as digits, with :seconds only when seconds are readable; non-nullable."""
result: 2:24
